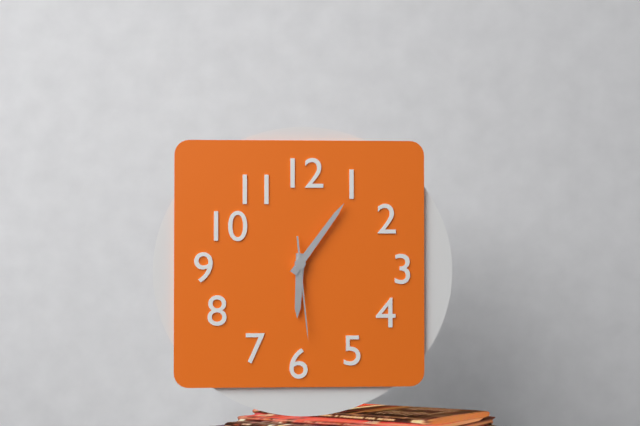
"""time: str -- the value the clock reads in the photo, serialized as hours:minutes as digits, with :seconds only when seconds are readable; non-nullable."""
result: 6:06:29
